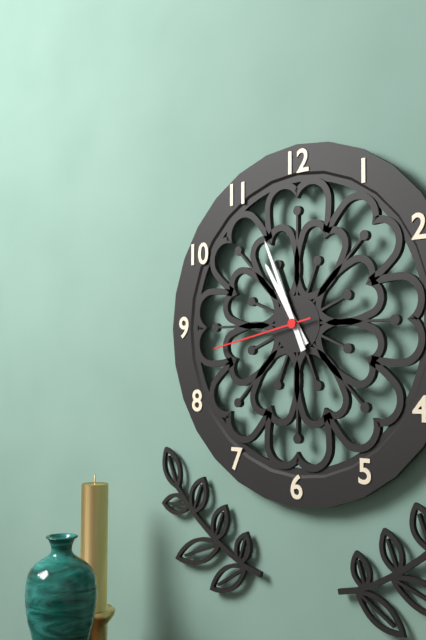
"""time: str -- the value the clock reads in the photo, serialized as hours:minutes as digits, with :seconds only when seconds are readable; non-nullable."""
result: 10:56:43
